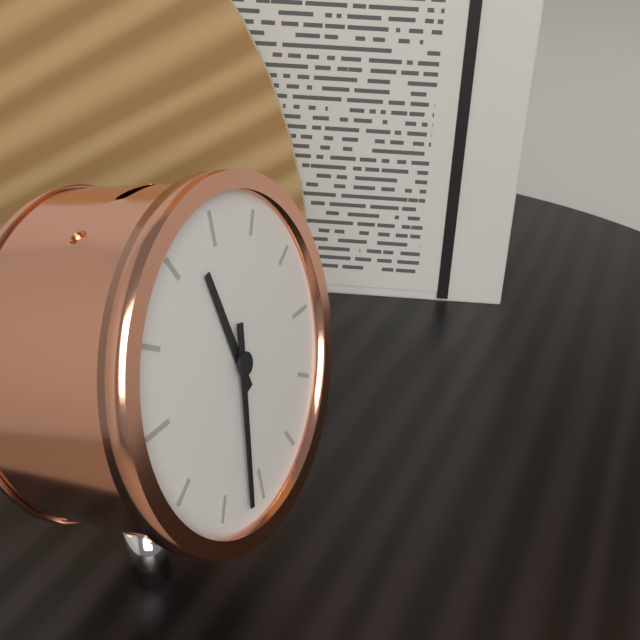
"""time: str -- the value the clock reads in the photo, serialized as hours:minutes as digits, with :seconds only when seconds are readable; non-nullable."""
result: 11:32
